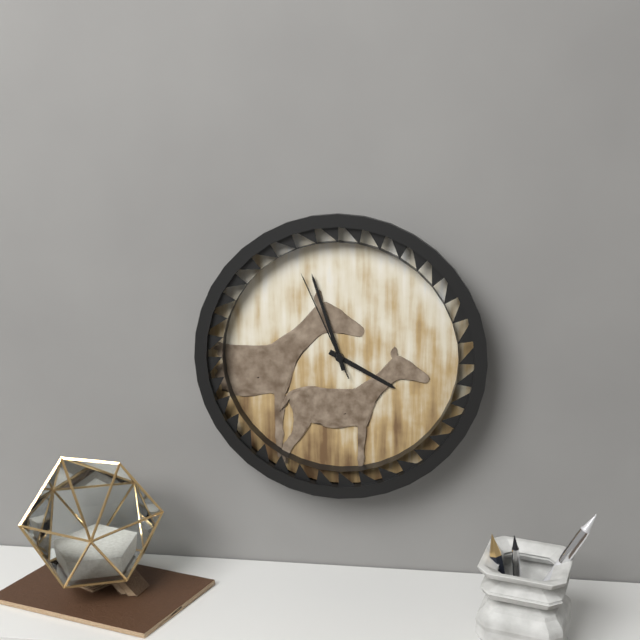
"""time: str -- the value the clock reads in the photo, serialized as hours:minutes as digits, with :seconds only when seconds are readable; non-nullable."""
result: 3:57:56
